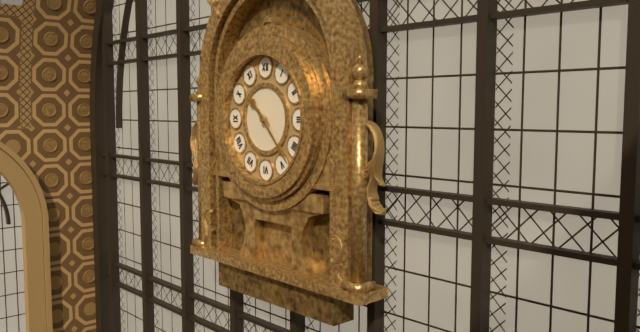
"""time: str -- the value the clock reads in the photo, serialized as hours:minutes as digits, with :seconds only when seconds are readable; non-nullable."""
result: 10:23
